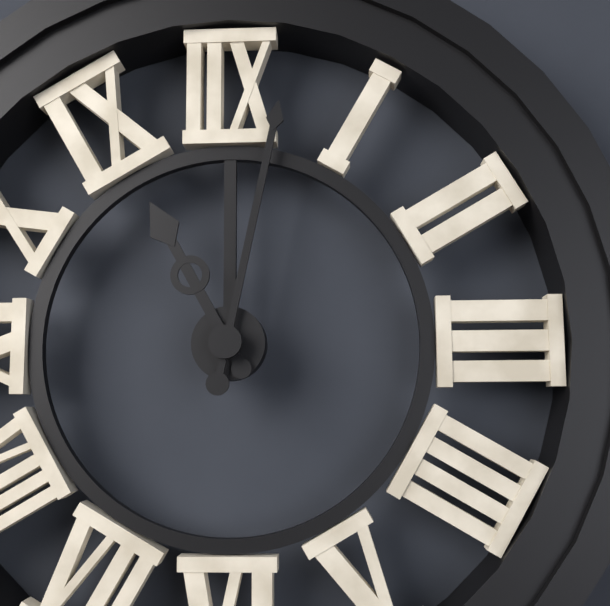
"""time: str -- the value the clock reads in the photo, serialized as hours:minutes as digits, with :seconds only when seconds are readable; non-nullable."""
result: 11:02
